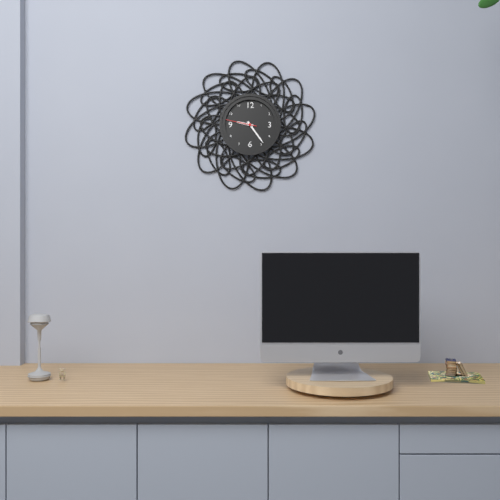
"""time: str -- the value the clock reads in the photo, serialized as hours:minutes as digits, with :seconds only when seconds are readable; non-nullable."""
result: 9:24
